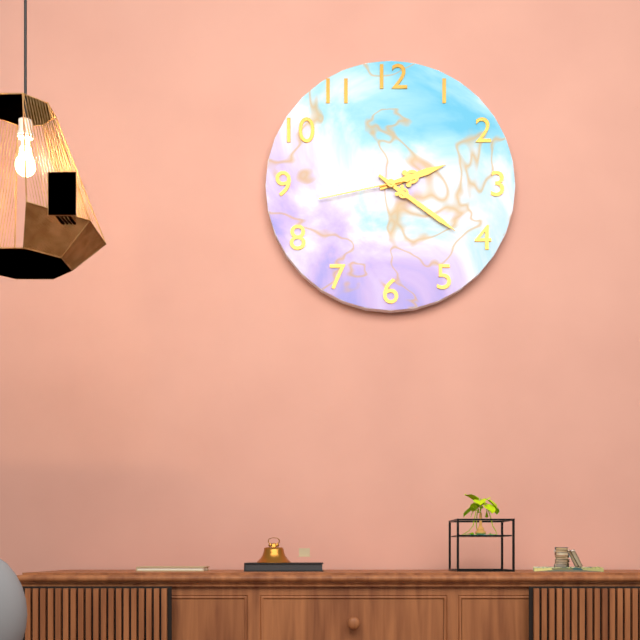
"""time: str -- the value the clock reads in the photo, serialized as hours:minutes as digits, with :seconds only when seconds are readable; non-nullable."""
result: 2:21:43
